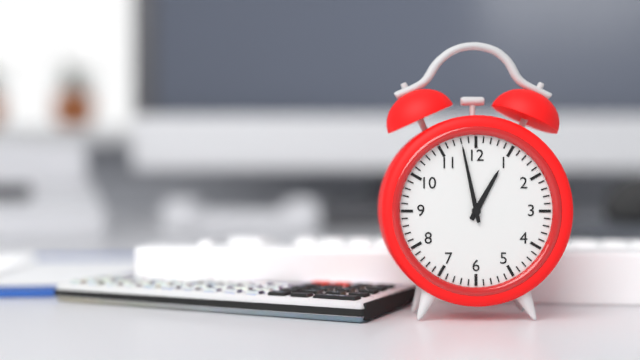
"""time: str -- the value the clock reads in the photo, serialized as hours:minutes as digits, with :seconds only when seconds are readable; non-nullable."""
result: 12:58
